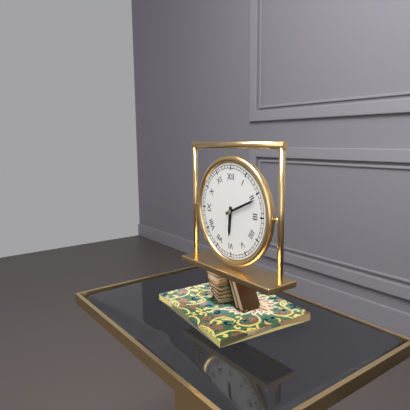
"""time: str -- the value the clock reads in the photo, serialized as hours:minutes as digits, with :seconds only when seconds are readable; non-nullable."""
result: 6:11
